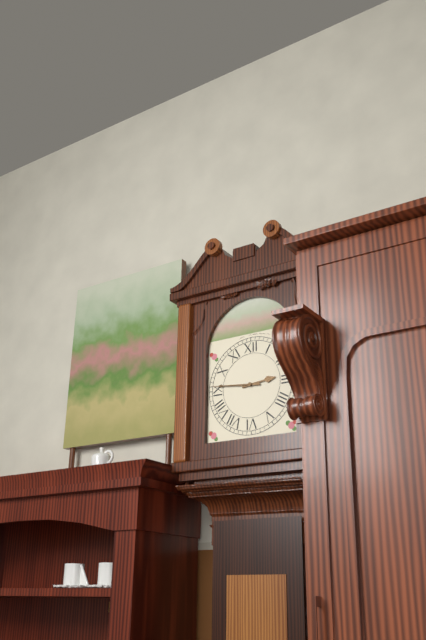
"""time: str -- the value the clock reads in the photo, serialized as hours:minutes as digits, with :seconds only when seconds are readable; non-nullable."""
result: 2:46
